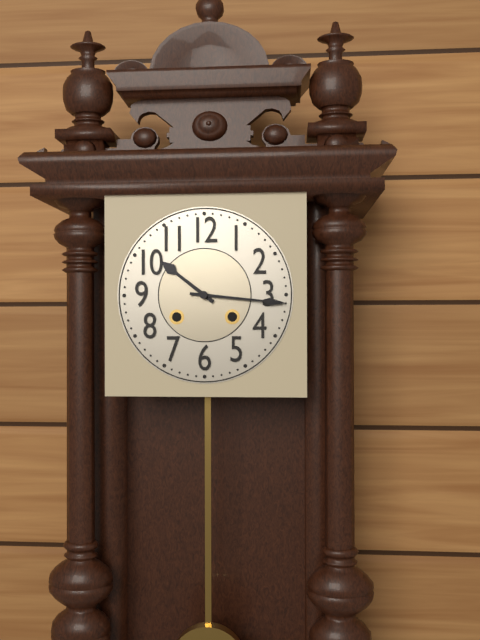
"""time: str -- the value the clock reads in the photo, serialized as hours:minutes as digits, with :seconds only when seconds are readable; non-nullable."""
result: 10:16
